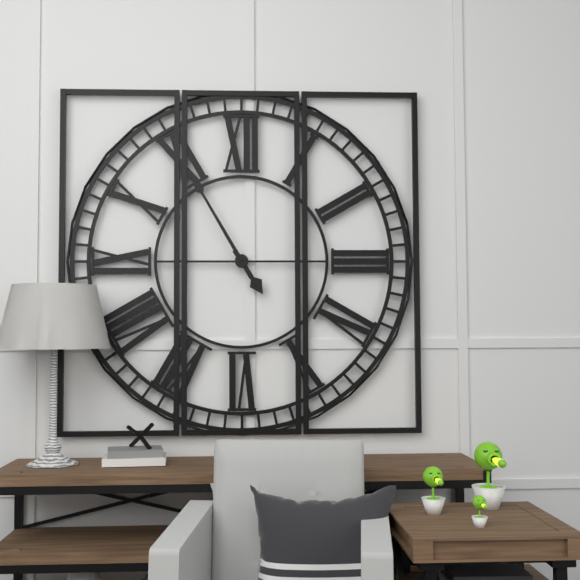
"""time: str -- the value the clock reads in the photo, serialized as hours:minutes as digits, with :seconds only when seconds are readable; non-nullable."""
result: 4:55
